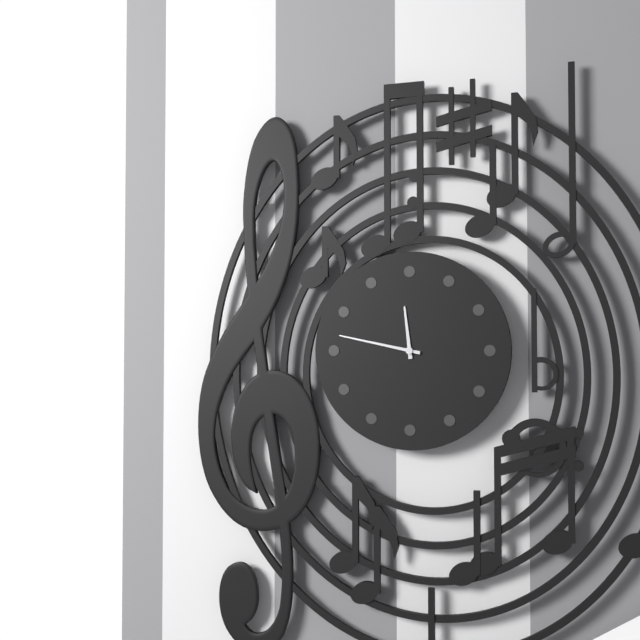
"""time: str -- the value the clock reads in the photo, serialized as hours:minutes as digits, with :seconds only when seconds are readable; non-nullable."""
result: 11:47
